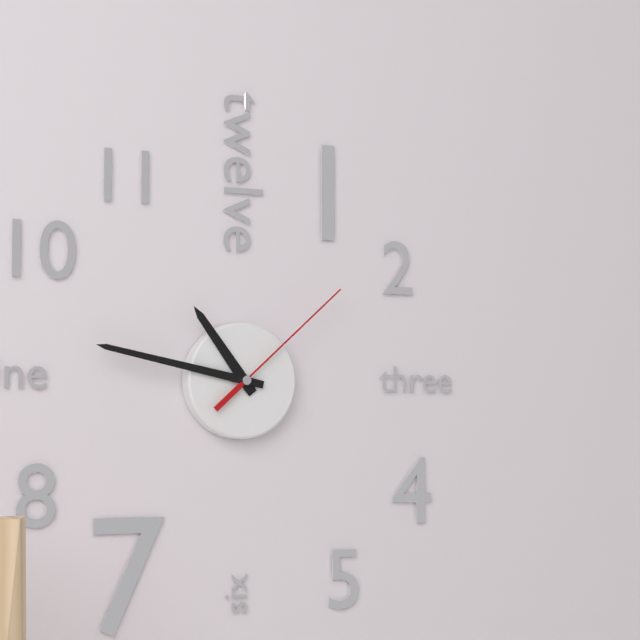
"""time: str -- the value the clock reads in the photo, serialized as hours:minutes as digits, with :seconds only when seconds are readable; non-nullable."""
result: 10:47:08
